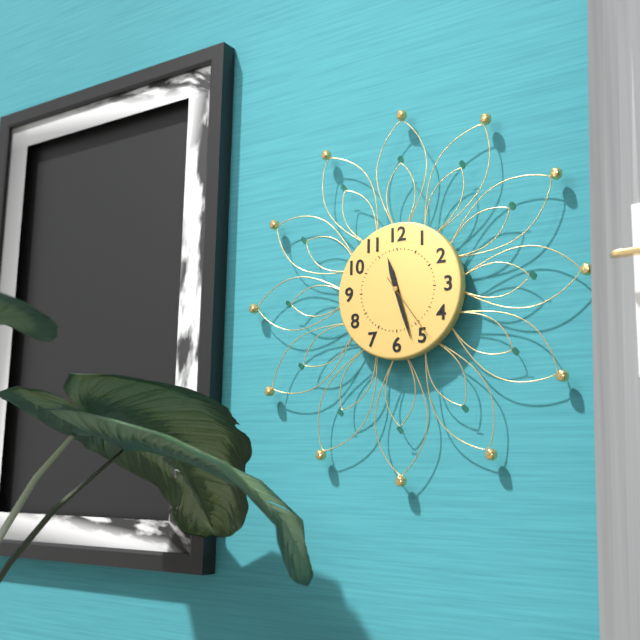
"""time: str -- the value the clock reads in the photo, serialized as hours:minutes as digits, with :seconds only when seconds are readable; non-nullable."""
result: 11:27:24
